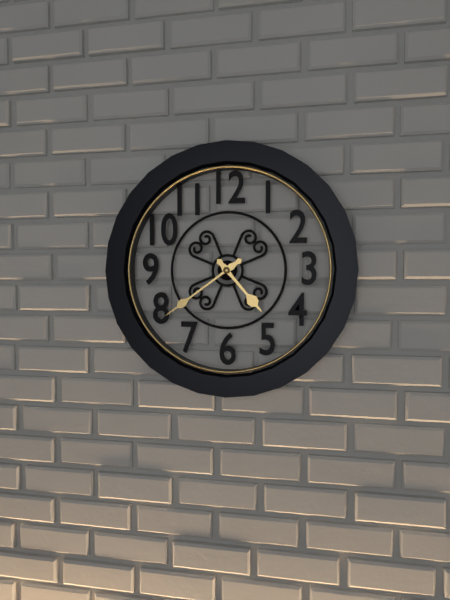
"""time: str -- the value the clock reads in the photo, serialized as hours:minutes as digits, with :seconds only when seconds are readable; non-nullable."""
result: 4:39
